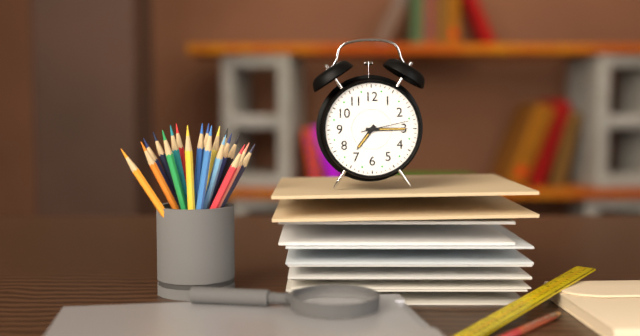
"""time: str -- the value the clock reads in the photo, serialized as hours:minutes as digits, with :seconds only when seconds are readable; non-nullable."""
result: 7:15
